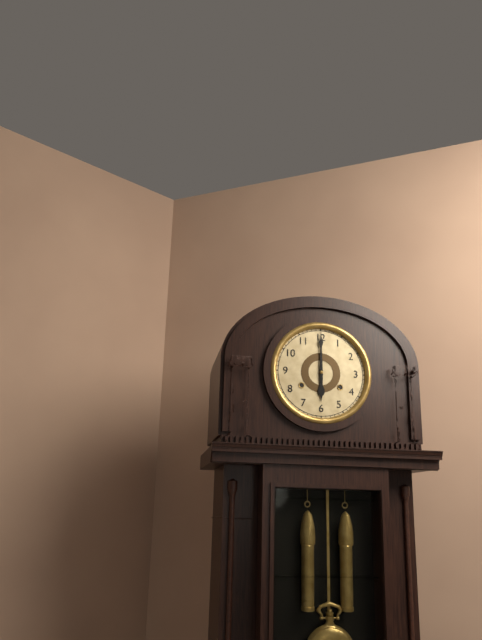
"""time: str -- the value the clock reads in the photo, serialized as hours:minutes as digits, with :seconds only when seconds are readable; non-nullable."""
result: 6:00
